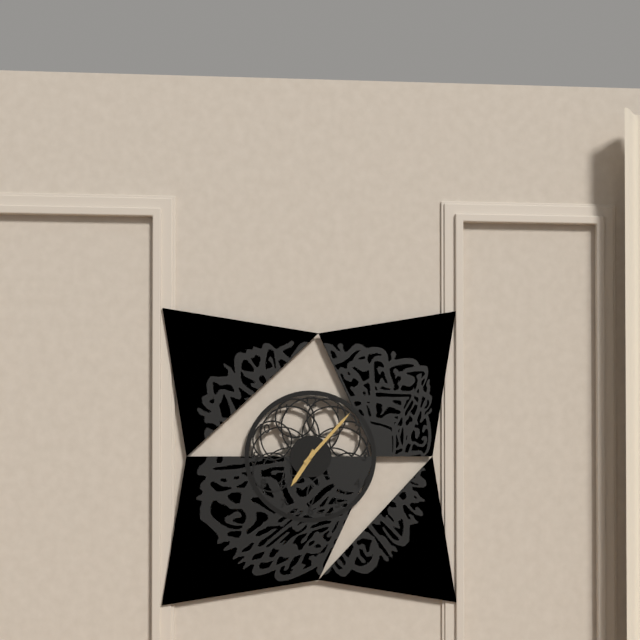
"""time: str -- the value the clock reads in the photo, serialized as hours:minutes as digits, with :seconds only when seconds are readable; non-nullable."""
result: 7:07
